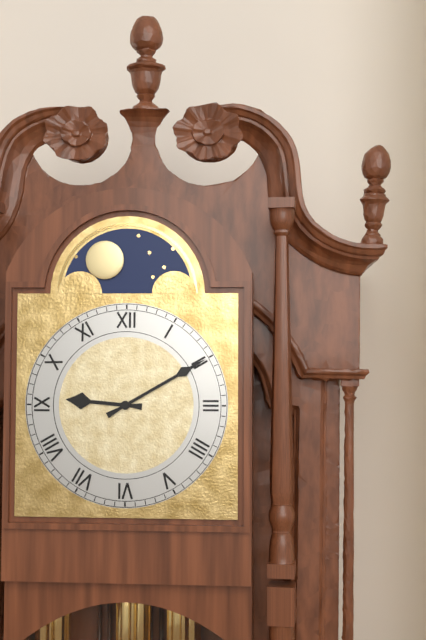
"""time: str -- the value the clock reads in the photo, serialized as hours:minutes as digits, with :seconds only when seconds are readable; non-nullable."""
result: 9:10
